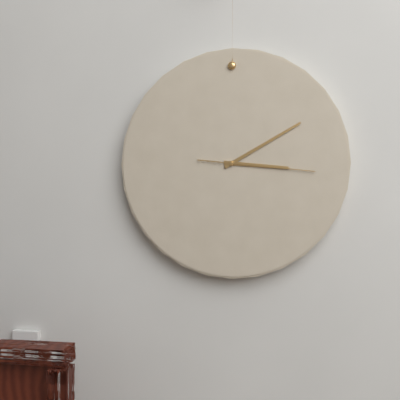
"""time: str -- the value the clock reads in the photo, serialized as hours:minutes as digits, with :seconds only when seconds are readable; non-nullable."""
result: 3:10:16
